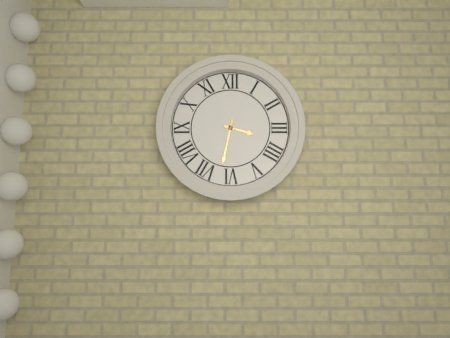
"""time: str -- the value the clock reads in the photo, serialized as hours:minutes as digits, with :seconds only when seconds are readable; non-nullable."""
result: 3:32
